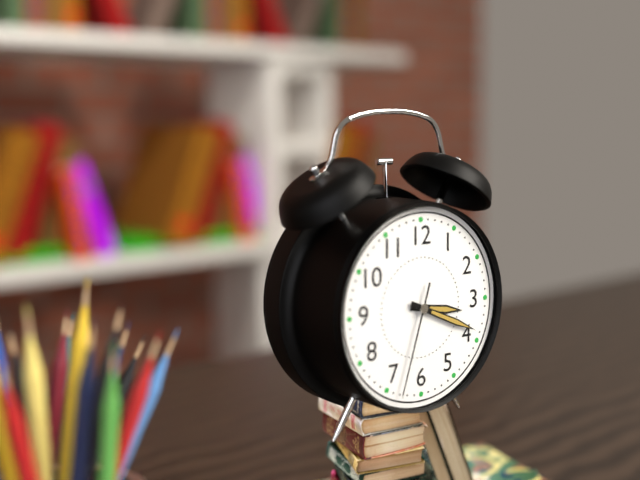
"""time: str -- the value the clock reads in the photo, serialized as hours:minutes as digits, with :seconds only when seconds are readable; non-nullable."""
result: 3:19:33
